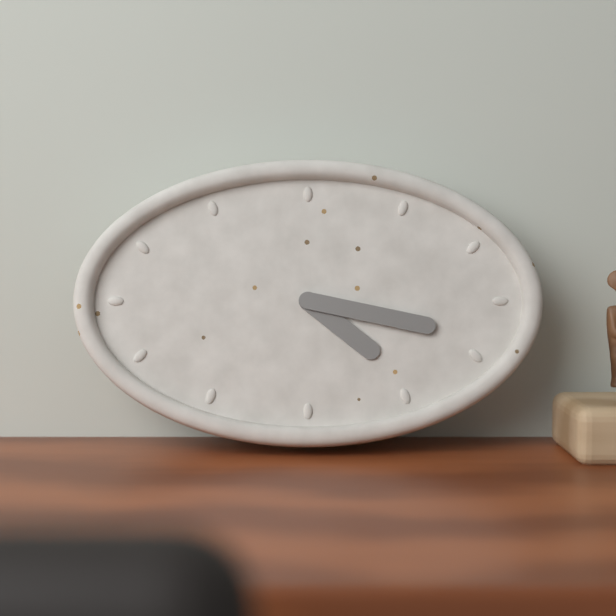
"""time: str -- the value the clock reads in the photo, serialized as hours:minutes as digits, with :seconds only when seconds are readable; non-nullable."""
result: 4:17
